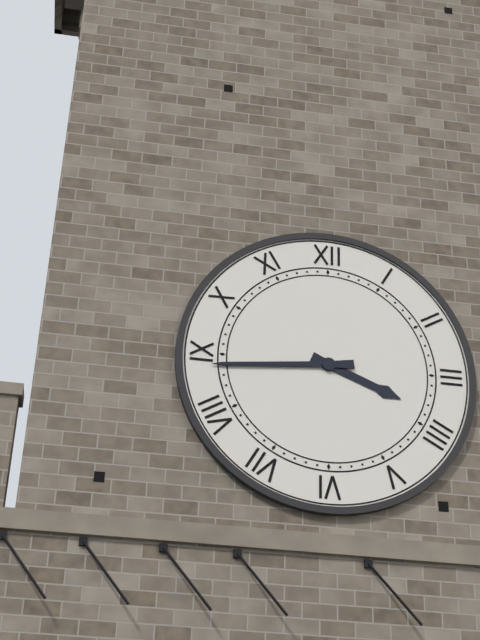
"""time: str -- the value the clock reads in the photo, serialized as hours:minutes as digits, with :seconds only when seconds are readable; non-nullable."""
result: 3:44
